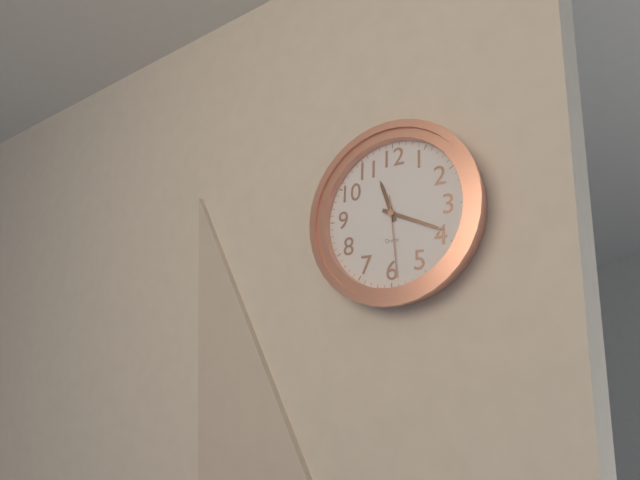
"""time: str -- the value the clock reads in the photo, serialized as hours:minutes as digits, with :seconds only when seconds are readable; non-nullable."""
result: 11:19:29
